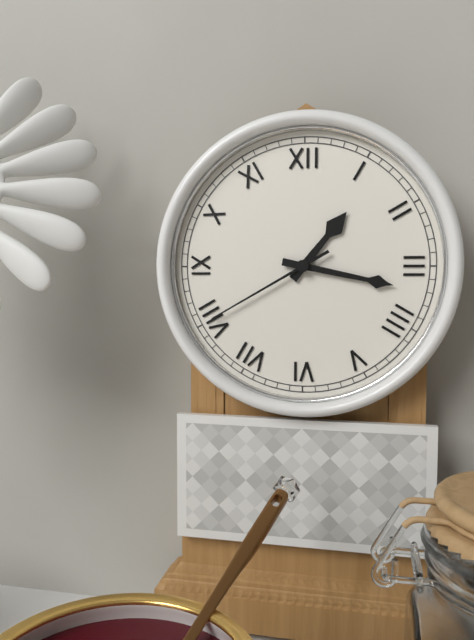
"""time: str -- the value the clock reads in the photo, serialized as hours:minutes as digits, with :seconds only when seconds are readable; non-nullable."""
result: 1:17:40
